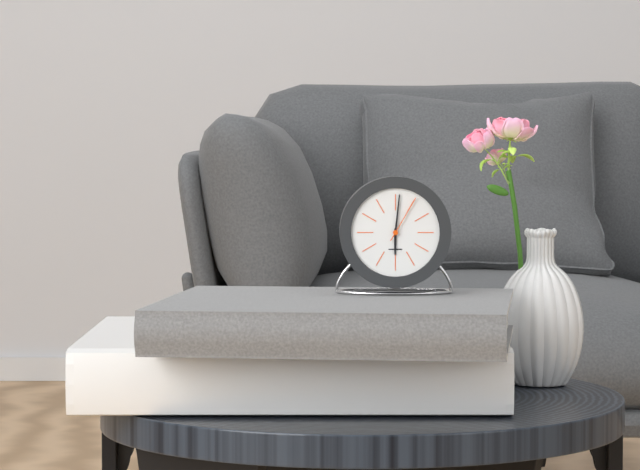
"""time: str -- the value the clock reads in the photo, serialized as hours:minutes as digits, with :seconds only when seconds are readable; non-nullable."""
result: 6:01:05
